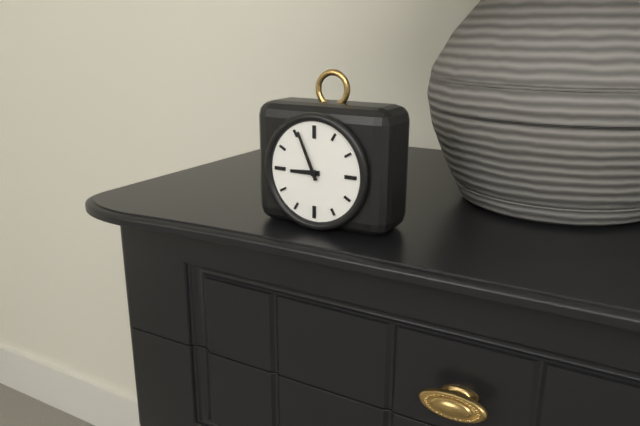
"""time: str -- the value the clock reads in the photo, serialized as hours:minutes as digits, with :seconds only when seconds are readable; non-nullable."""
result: 8:56
